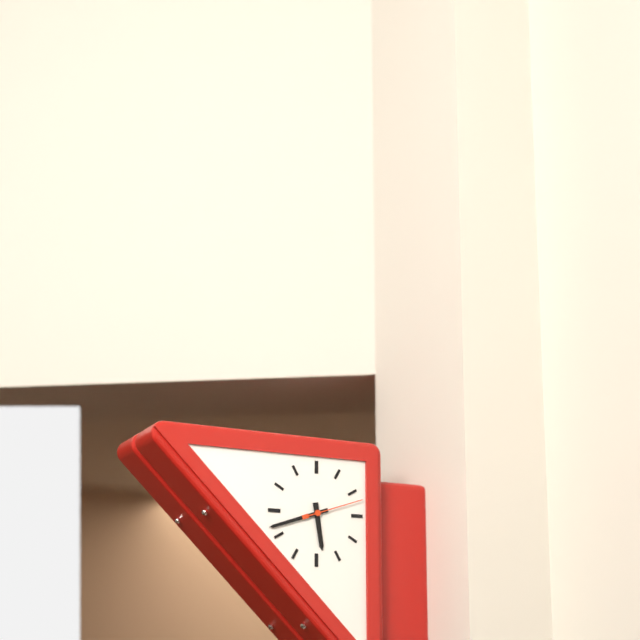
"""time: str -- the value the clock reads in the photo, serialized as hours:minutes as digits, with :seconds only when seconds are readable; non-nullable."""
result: 5:42:12
